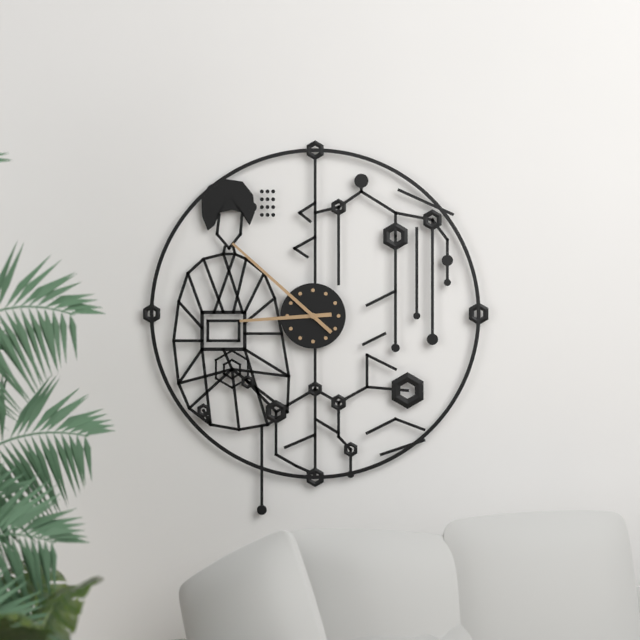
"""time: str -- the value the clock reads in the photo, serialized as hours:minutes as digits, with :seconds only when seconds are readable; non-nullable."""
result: 8:52
